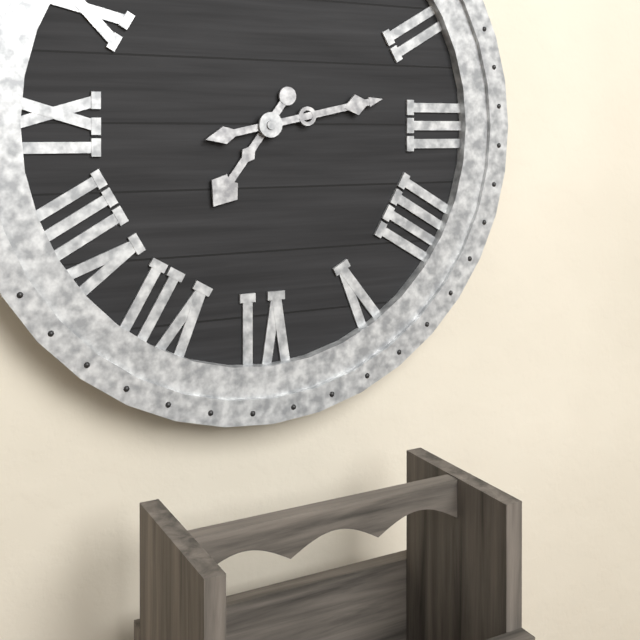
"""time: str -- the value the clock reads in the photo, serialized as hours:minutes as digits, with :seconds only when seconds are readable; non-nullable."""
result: 7:13
